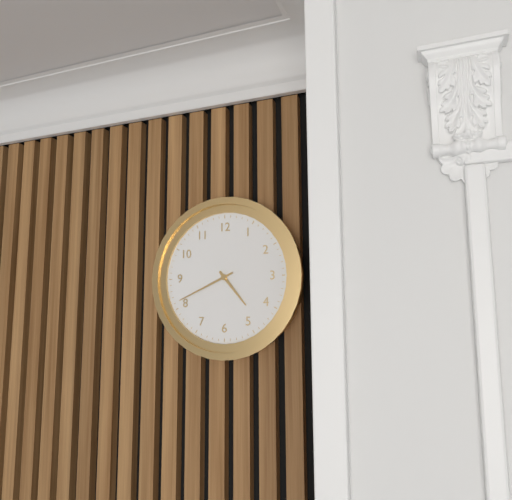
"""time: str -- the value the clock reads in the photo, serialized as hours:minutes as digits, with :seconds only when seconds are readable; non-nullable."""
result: 4:41
